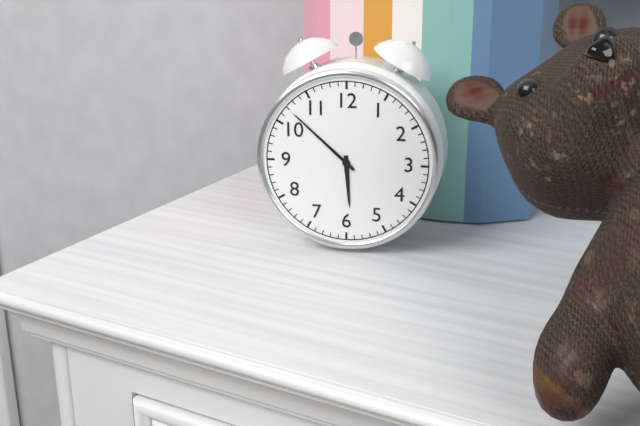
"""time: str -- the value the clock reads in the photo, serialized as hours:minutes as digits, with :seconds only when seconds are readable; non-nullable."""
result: 5:52
